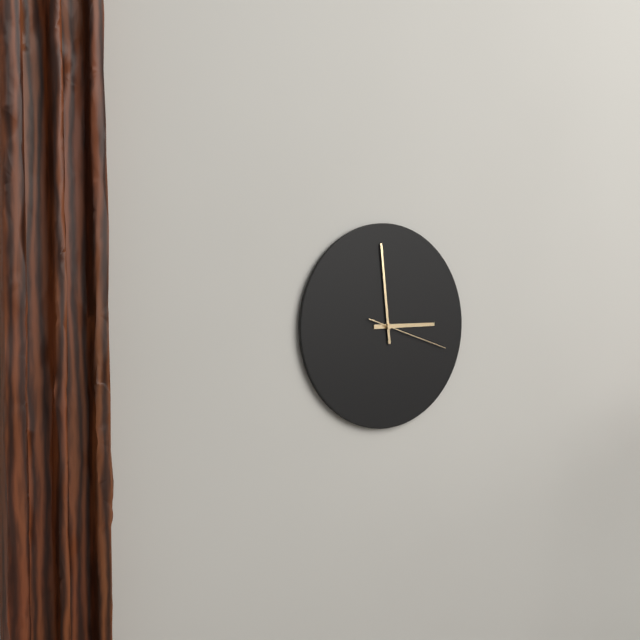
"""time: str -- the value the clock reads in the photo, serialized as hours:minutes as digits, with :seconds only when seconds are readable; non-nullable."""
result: 2:59:18
